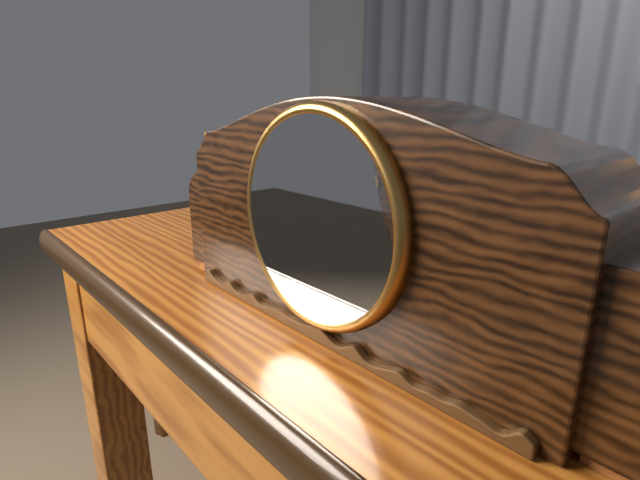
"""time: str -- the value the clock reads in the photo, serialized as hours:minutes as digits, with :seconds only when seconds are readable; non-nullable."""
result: 12:25
